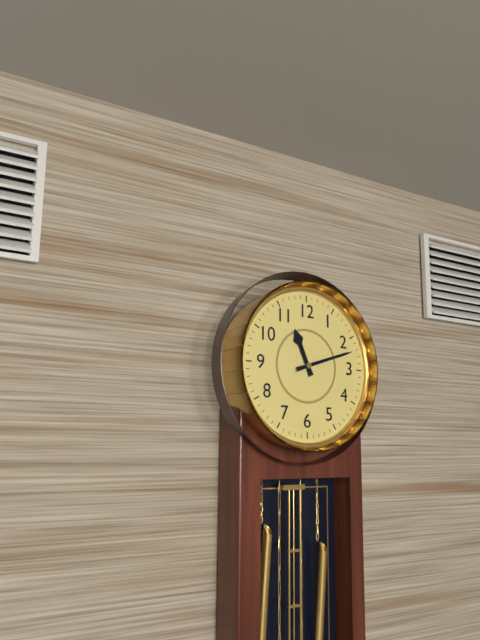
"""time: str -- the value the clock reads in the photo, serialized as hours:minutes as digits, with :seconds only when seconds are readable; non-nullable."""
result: 11:12
